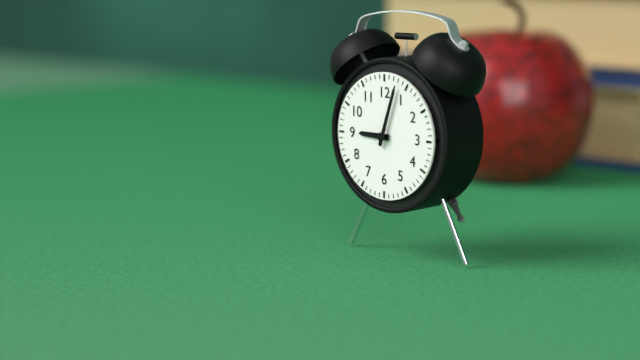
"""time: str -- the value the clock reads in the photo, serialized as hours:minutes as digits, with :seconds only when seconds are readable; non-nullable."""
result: 9:03
